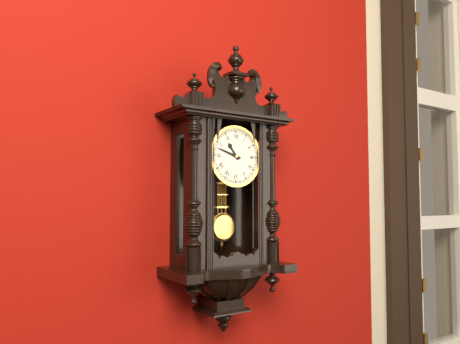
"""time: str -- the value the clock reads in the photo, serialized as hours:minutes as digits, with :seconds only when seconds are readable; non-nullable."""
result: 10:48
